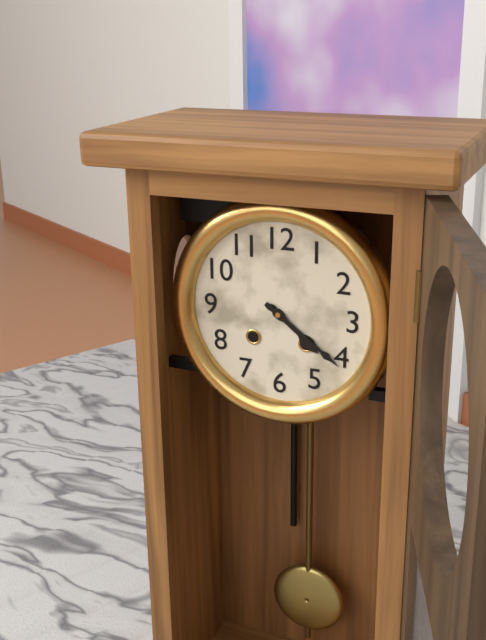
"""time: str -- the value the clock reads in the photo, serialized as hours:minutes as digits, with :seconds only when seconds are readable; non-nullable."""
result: 4:21
